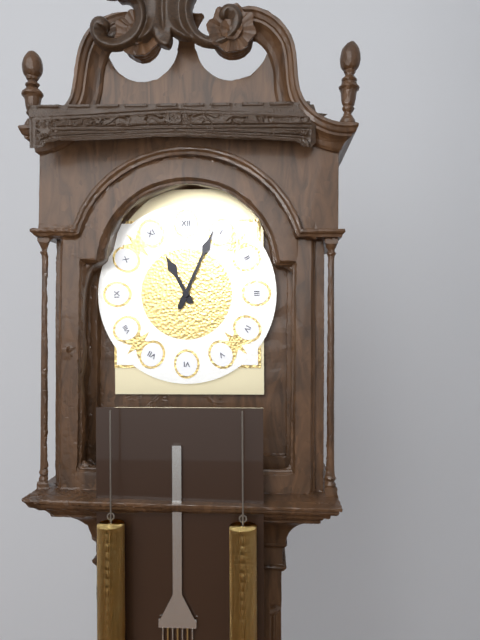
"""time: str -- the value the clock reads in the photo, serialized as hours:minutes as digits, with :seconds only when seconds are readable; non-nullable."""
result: 11:04
